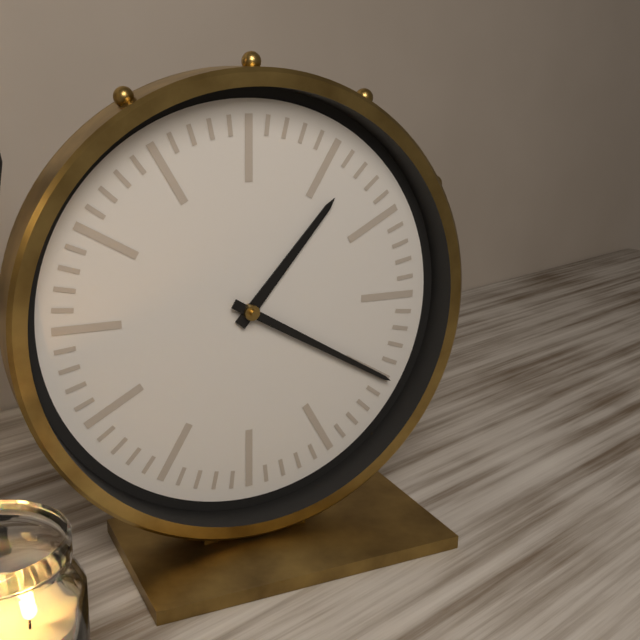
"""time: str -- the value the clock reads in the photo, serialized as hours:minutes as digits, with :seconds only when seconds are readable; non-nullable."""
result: 1:20
